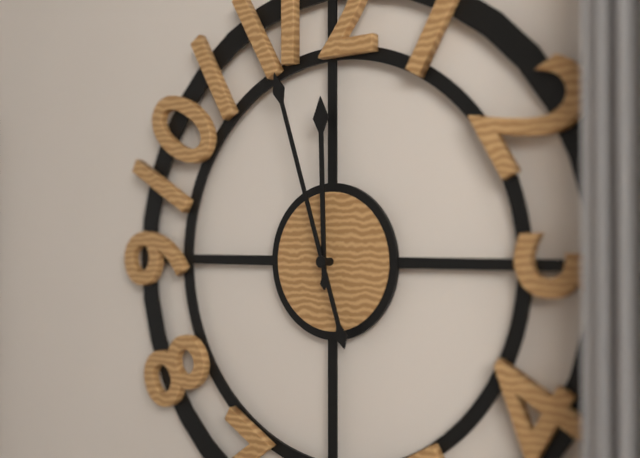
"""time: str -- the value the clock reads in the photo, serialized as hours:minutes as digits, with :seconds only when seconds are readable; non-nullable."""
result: 11:57
